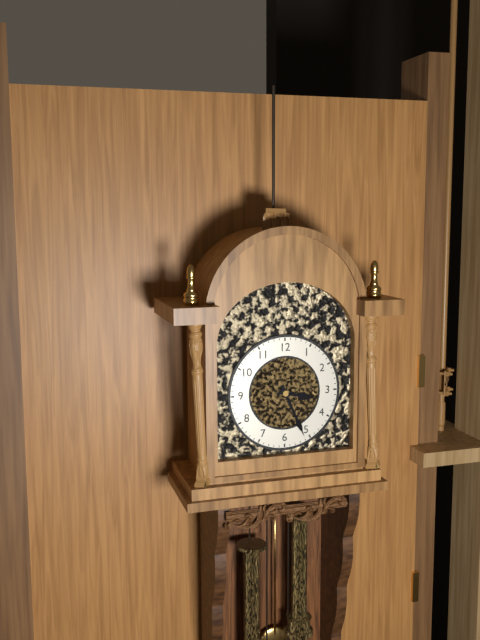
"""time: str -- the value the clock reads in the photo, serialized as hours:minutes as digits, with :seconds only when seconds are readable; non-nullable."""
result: 3:26
